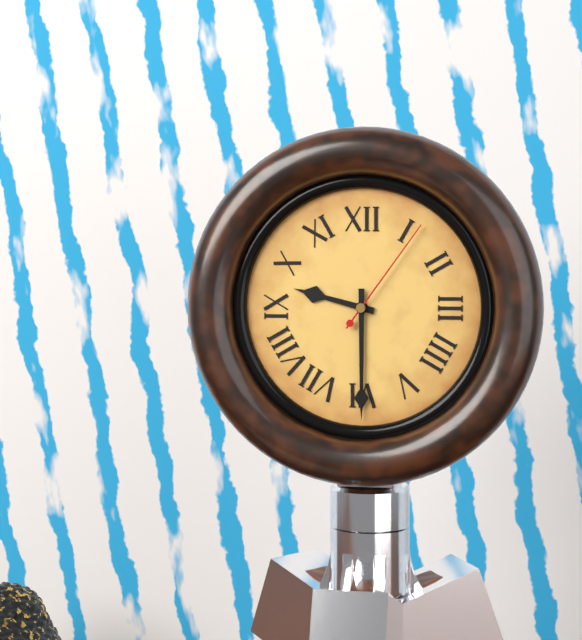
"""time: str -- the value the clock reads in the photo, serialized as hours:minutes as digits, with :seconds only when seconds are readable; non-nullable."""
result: 9:30:06
